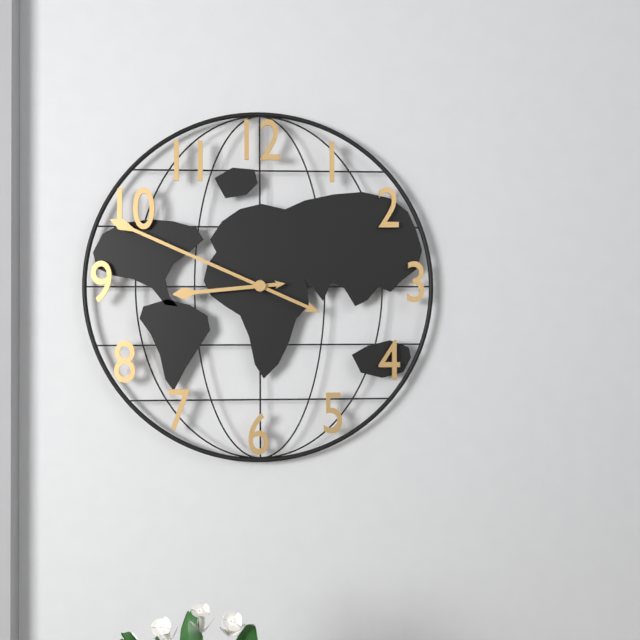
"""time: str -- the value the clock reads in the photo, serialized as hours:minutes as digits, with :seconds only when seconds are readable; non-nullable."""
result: 8:49
